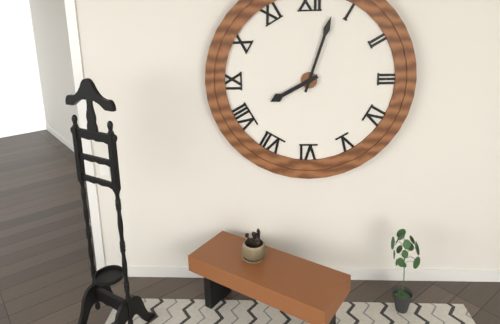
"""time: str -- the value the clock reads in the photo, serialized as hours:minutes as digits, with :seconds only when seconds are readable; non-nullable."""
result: 8:03
